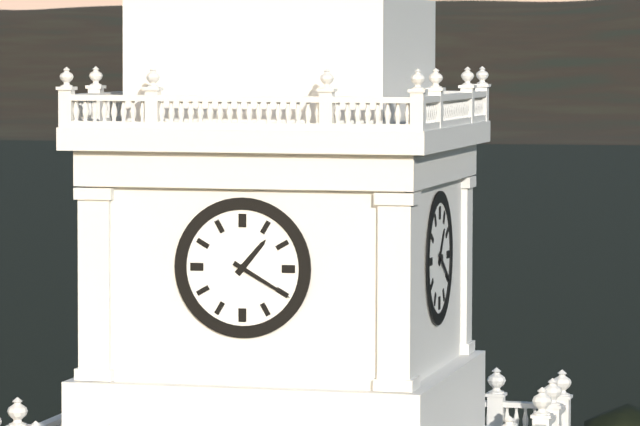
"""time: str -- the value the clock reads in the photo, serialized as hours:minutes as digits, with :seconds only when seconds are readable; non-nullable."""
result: 1:20
